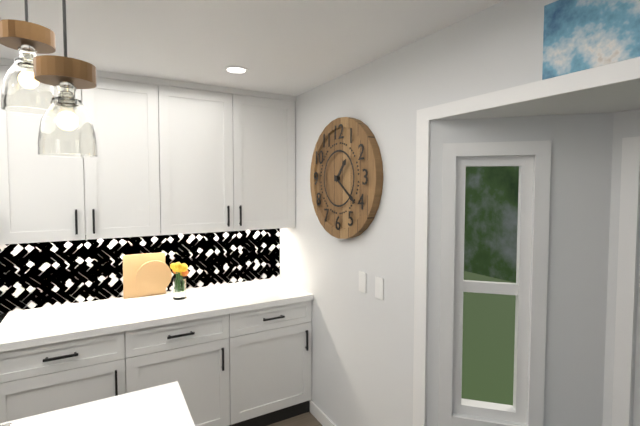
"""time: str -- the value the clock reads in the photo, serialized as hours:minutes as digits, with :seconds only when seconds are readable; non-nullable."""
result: 1:21
